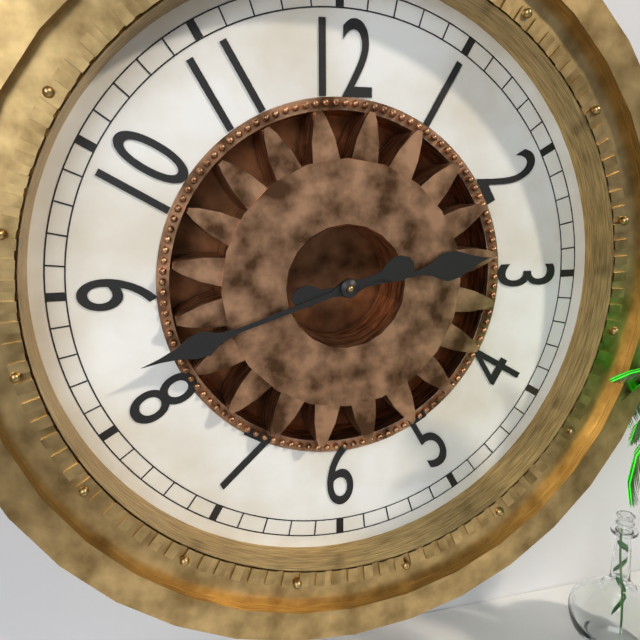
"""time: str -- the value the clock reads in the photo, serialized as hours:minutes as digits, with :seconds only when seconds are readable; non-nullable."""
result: 2:42
